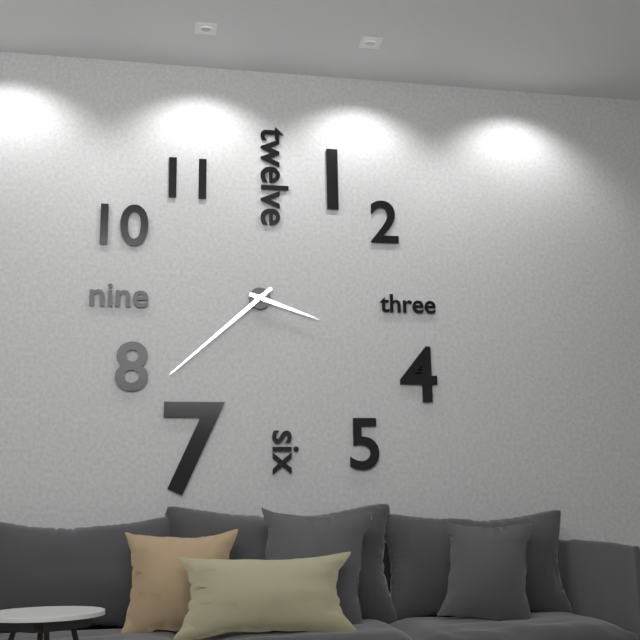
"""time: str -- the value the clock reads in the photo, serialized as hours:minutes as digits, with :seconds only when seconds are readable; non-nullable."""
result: 3:38
